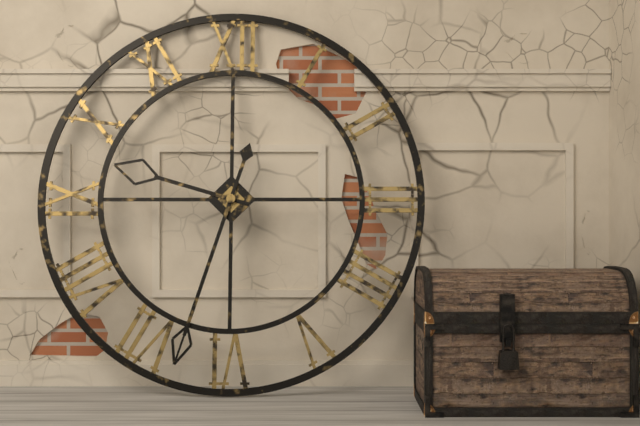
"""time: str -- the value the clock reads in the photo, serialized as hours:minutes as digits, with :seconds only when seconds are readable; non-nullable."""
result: 9:33
